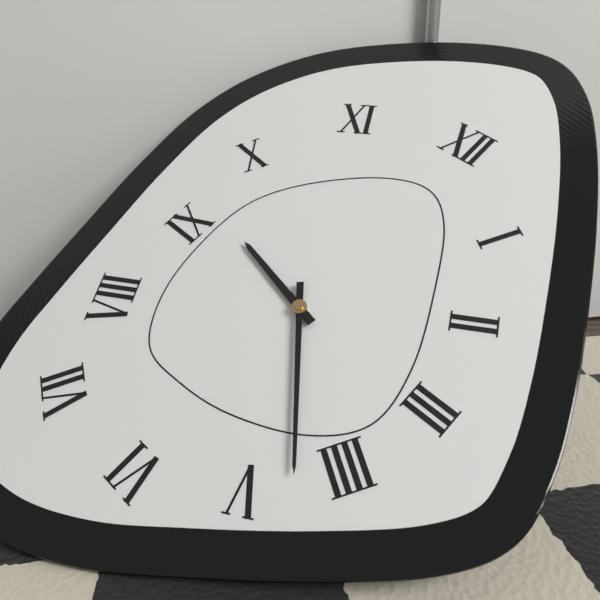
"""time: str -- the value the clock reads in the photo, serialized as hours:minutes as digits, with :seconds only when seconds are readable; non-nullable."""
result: 9:23
